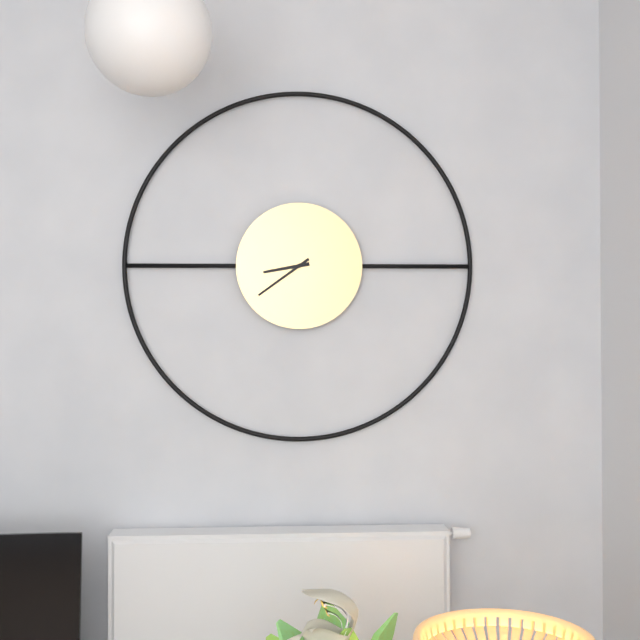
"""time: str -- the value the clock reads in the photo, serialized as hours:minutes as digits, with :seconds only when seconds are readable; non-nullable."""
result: 8:39
